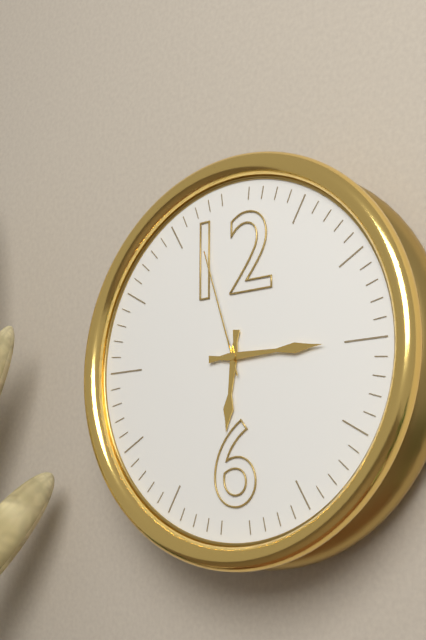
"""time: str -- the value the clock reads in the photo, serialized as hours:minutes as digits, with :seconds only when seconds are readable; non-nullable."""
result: 6:15:57
